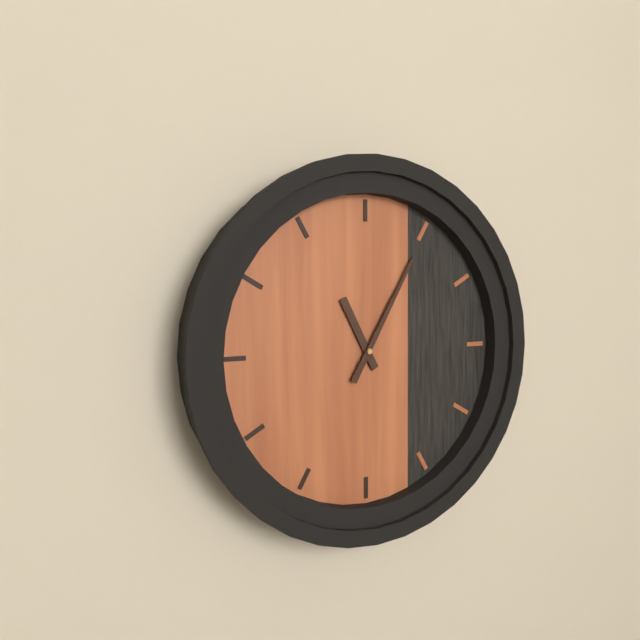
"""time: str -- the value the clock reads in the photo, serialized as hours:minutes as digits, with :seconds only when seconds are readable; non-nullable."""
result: 11:05
